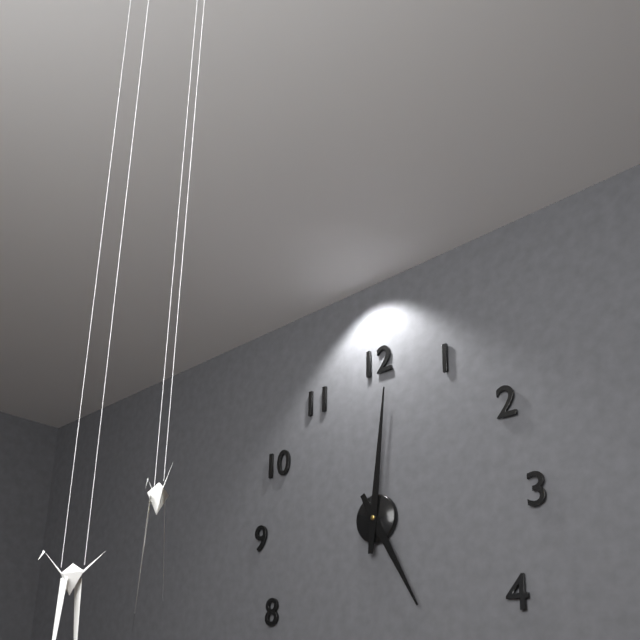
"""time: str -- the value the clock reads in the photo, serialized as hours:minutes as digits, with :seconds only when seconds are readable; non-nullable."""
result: 5:01
